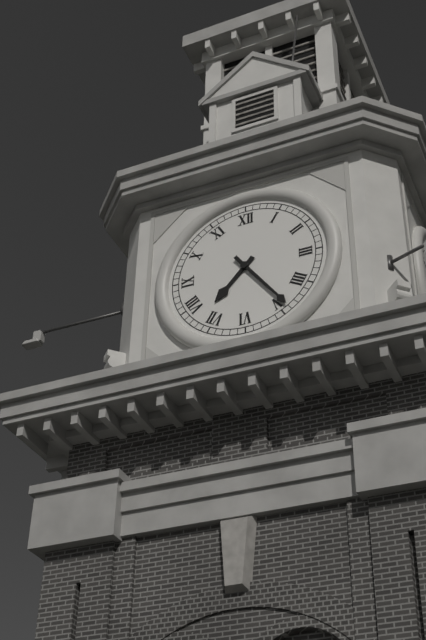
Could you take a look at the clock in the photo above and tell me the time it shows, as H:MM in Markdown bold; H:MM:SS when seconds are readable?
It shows **7:24**
